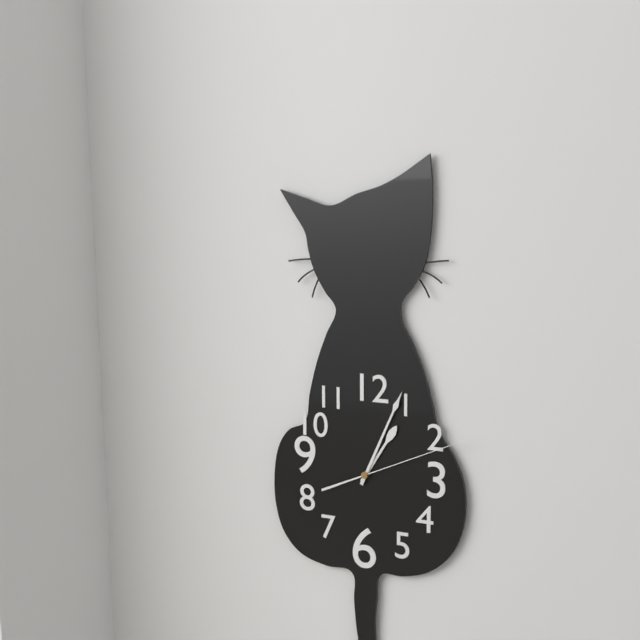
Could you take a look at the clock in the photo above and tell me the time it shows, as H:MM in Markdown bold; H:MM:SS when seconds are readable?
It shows **1:04:11**
